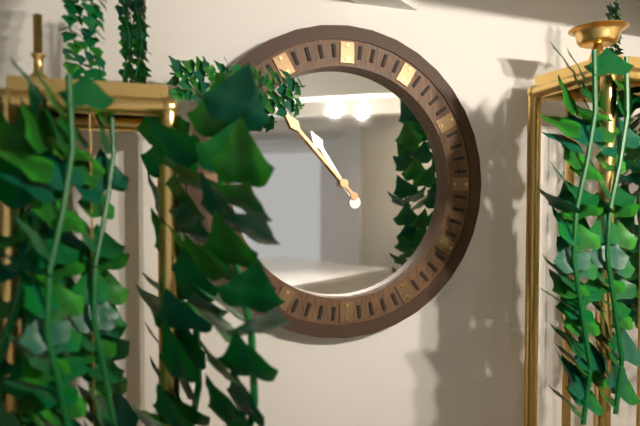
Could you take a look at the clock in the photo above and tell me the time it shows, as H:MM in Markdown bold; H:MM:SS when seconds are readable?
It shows **10:53**
